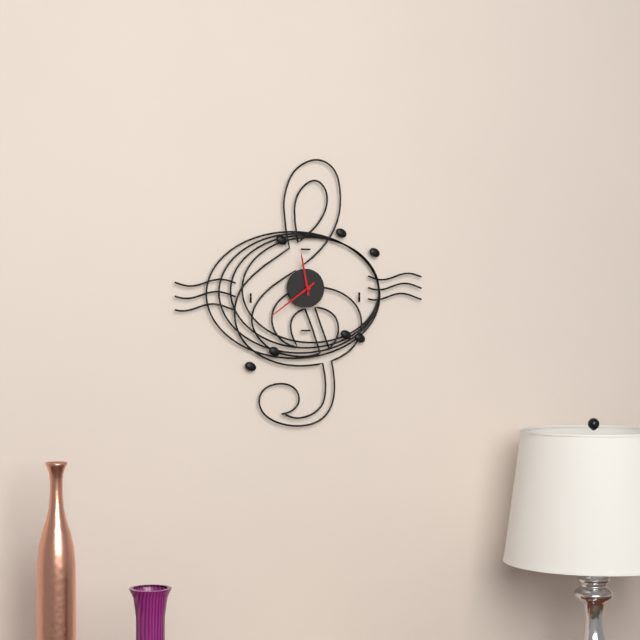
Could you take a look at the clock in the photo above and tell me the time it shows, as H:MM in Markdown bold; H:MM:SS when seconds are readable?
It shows **11:39**
